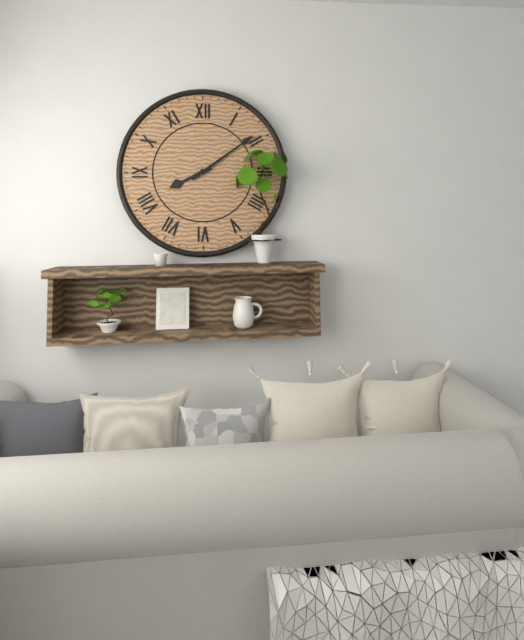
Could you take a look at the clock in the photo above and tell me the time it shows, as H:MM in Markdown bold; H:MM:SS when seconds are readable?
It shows **8:09**
